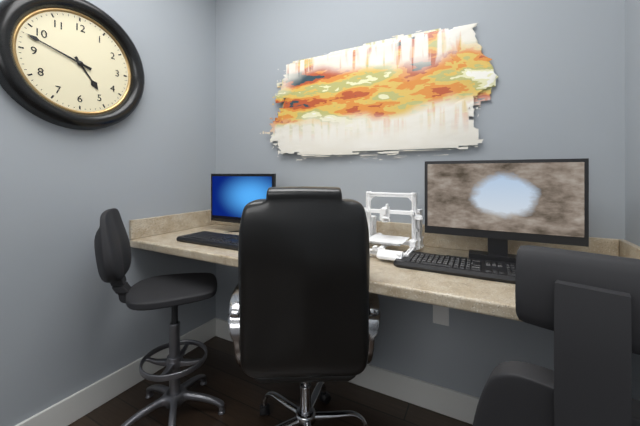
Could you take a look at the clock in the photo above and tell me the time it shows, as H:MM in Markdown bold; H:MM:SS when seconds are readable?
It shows **4:48**
